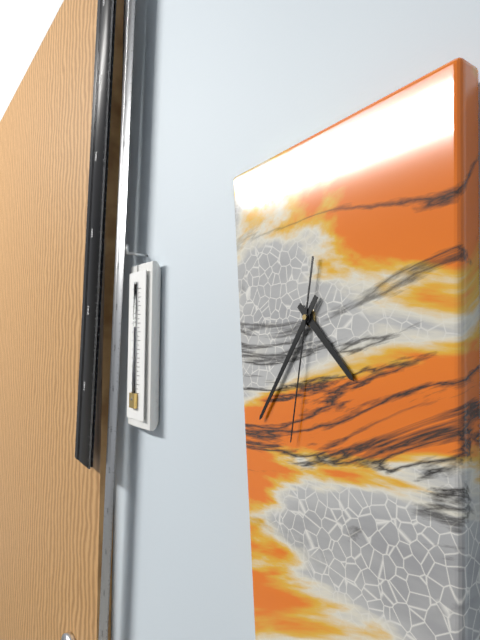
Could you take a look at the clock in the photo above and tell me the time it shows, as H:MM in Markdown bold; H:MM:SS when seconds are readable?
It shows **4:36:32**
